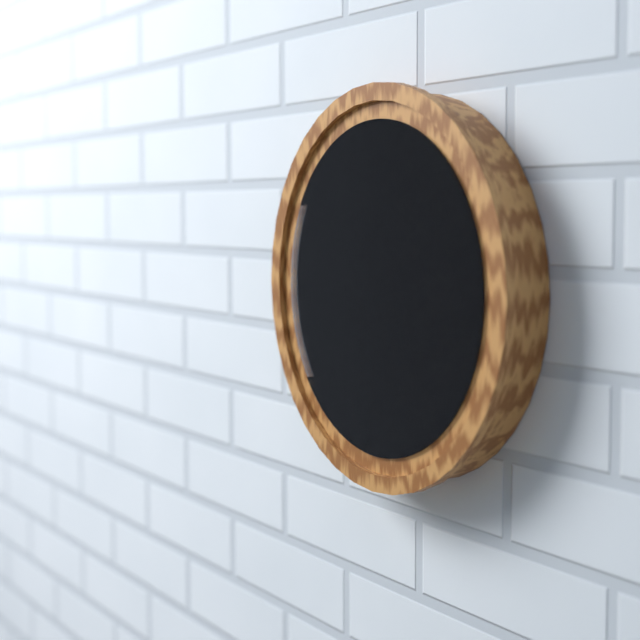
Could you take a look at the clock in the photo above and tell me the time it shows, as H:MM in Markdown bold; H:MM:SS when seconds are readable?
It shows **9:59:08**
